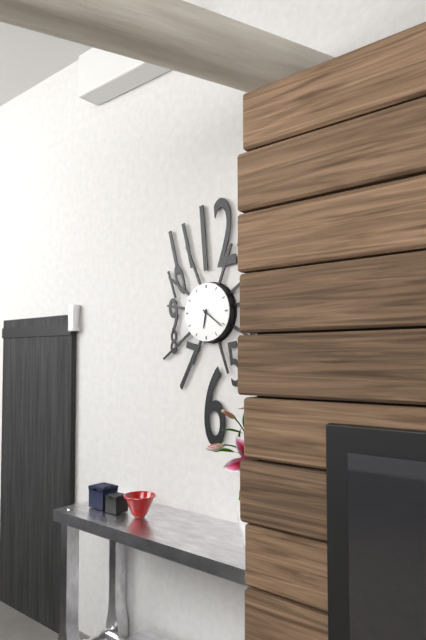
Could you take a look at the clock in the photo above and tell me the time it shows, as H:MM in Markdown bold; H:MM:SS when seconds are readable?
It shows **6:21**
